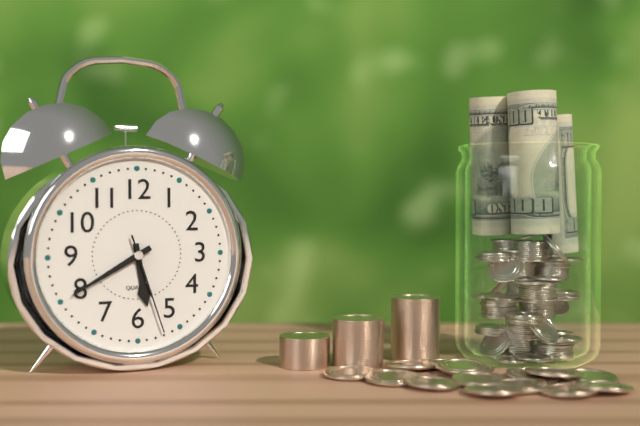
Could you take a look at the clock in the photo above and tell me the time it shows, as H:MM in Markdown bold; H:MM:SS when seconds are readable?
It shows **5:40:27**
